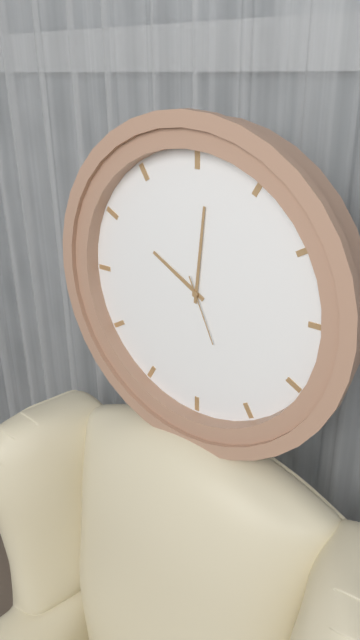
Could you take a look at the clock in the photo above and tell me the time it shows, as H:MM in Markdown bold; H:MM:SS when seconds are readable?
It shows **10:01:26**
